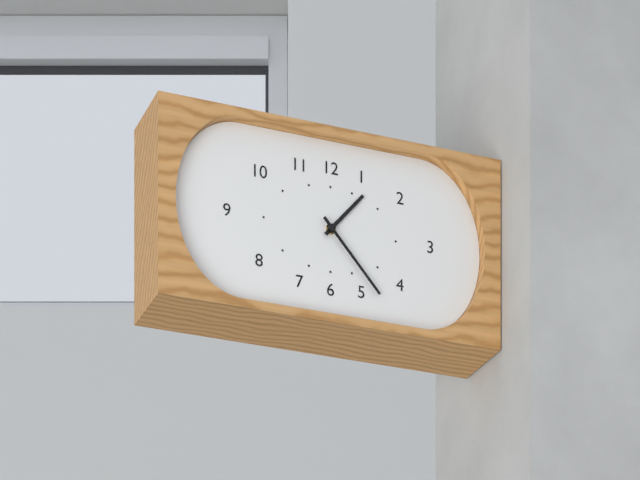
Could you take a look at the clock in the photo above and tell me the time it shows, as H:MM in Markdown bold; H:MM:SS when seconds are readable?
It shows **1:23**
